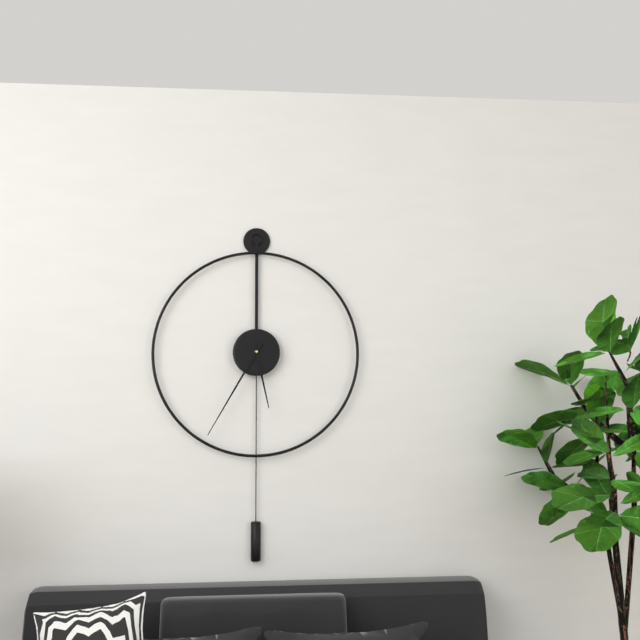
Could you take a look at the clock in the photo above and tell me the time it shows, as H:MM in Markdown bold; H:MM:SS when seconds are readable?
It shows **5:35**
